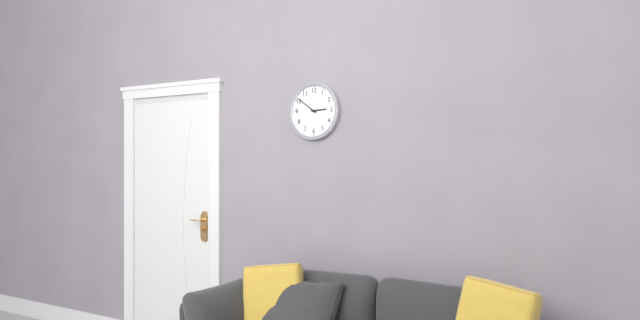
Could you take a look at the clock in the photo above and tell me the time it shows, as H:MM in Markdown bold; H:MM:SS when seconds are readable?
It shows **2:51**
